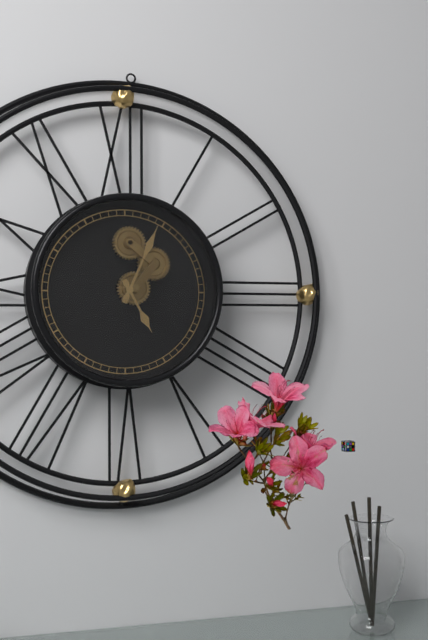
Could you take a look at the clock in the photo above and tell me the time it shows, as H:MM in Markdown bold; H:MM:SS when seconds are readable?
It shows **5:04**
